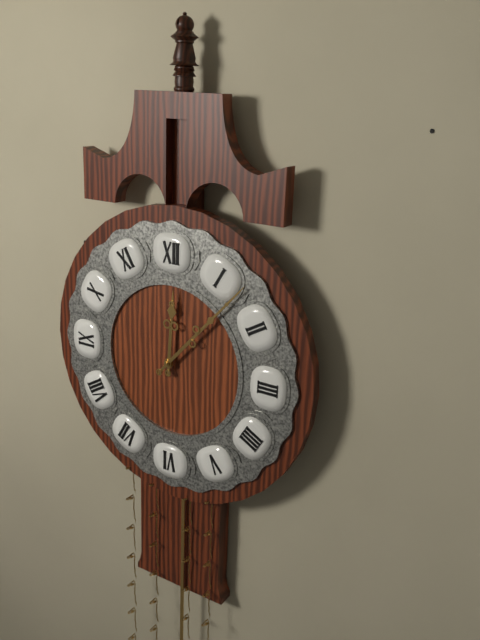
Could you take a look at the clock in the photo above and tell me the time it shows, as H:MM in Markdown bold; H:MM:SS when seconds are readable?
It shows **12:07**
